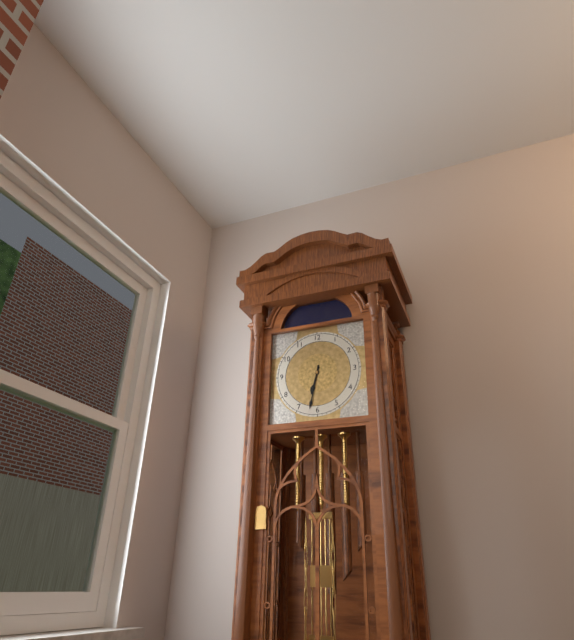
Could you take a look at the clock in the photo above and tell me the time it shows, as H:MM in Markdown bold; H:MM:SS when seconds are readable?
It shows **6:32**
